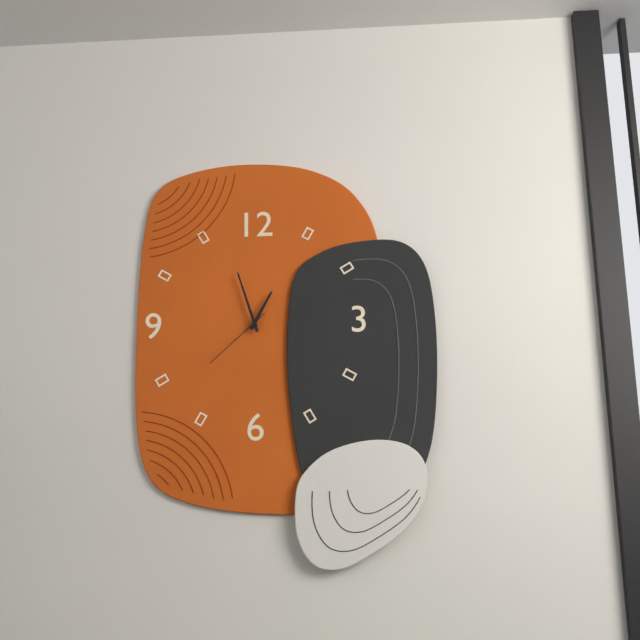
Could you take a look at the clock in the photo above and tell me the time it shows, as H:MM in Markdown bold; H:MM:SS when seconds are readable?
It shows **12:57:38**
